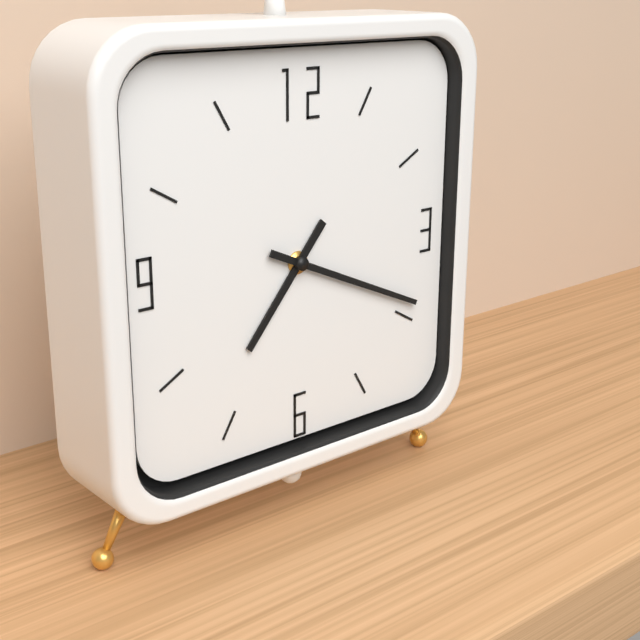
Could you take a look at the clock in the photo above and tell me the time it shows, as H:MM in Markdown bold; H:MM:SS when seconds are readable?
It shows **7:19**
